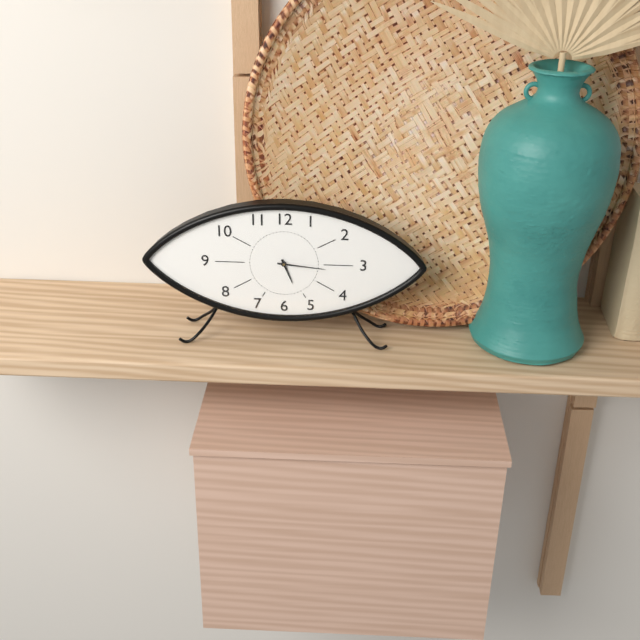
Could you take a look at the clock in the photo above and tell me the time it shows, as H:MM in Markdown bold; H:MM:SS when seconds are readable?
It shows **5:16**
